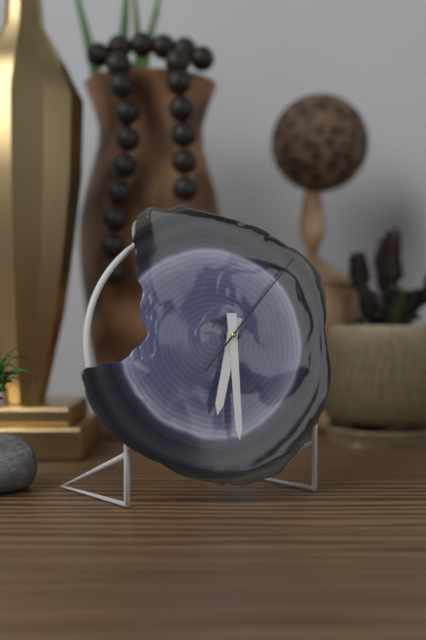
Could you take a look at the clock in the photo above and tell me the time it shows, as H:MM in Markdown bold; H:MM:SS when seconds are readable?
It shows **6:30:07**
